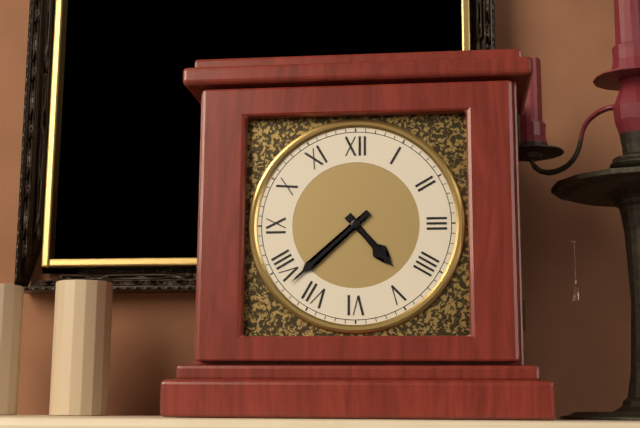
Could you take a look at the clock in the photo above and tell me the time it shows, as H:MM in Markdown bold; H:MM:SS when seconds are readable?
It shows **4:38**
